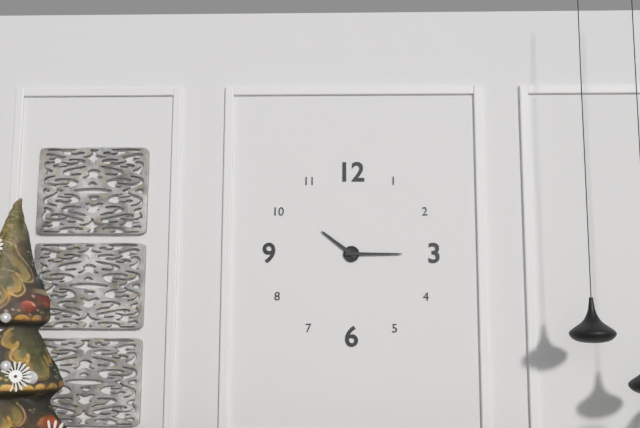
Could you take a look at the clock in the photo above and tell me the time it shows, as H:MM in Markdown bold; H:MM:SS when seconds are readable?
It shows **10:15**
